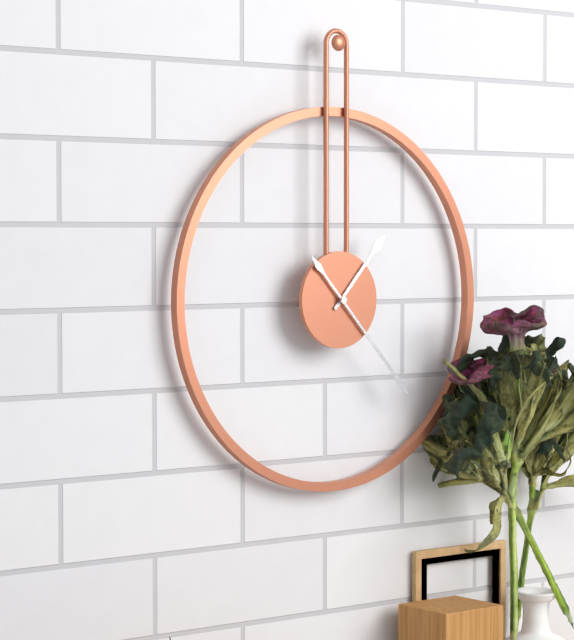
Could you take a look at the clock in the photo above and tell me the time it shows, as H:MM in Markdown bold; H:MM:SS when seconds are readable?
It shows **1:23**
